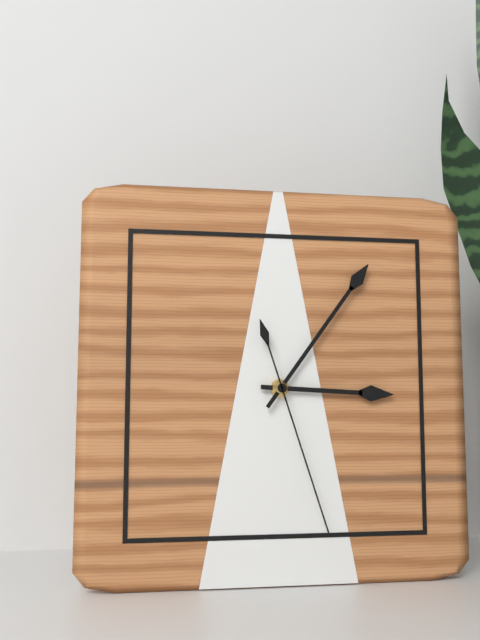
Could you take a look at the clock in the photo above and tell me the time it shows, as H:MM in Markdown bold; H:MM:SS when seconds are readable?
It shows **3:06:27**
